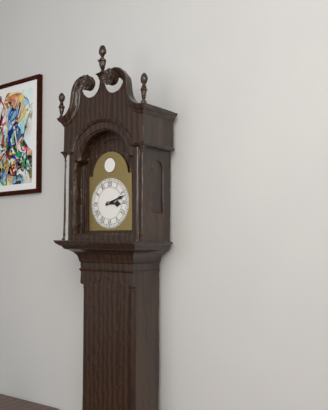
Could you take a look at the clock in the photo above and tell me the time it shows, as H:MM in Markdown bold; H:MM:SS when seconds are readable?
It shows **3:12**
